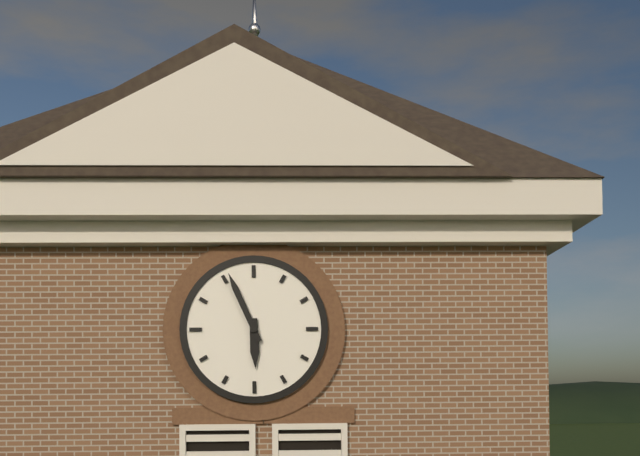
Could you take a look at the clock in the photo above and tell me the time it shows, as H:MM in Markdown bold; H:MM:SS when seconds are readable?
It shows **5:56**
